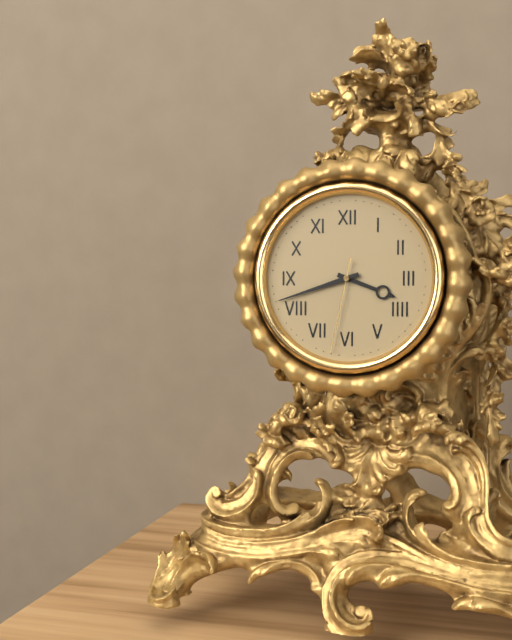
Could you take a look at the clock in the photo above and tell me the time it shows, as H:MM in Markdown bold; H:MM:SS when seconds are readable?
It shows **3:42:32**
